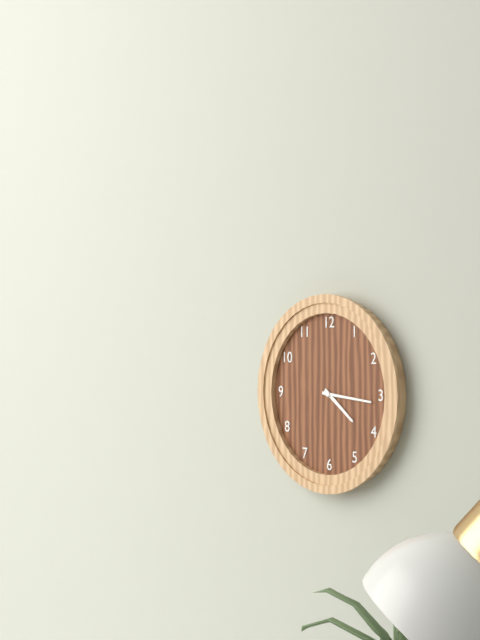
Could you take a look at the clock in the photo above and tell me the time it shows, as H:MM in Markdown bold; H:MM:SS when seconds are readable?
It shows **4:16**
